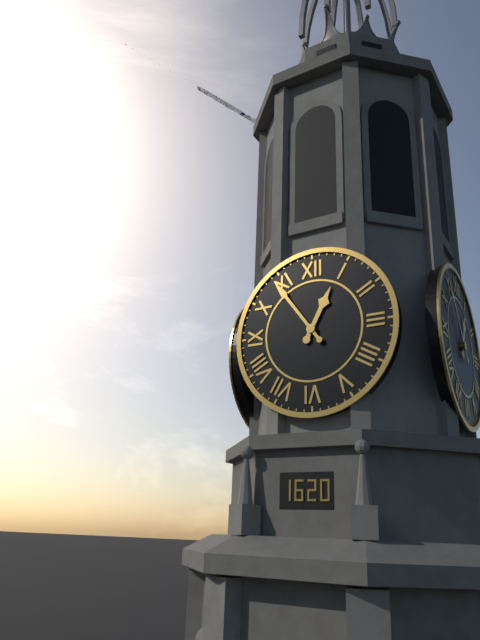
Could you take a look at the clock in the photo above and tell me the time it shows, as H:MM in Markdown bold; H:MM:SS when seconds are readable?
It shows **12:54**
